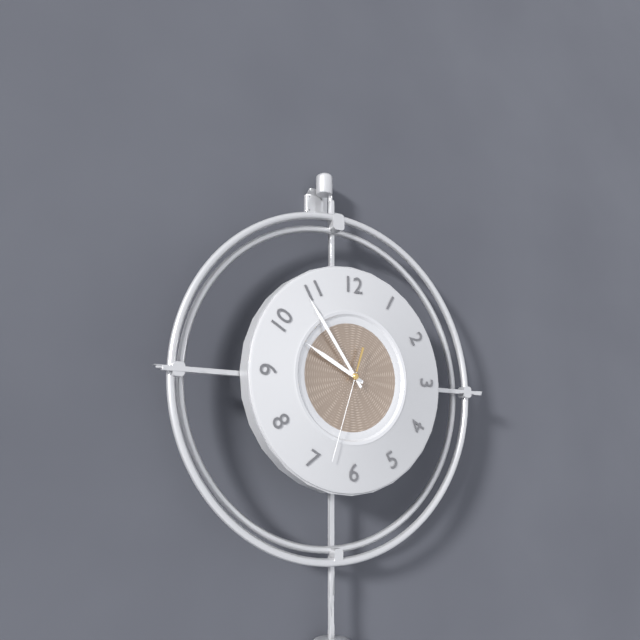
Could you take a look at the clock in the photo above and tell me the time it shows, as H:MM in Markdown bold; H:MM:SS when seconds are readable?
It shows **9:54:33**
